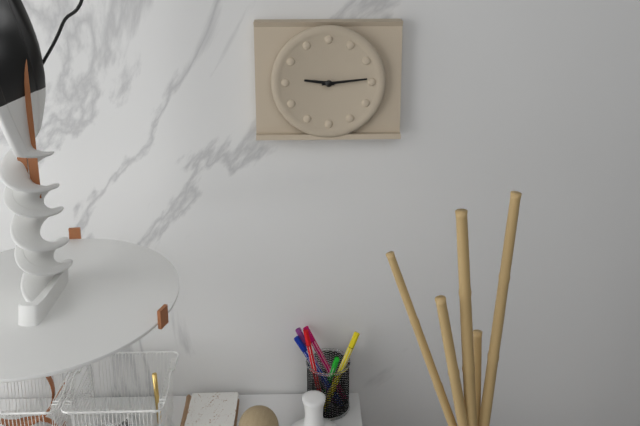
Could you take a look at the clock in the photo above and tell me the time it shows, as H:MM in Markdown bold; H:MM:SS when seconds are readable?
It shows **9:14**
